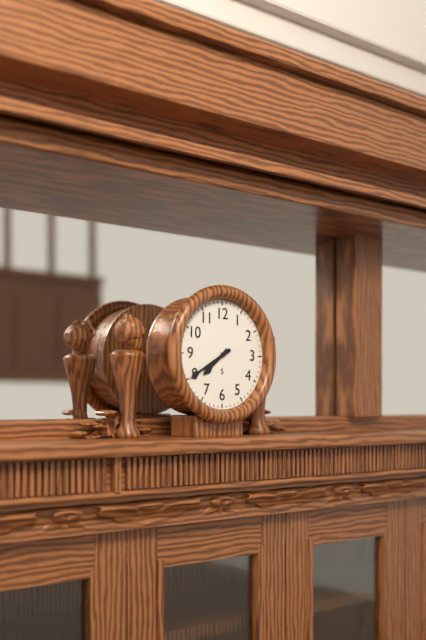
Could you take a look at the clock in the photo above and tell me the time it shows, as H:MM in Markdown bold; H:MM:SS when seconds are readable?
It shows **7:40**
